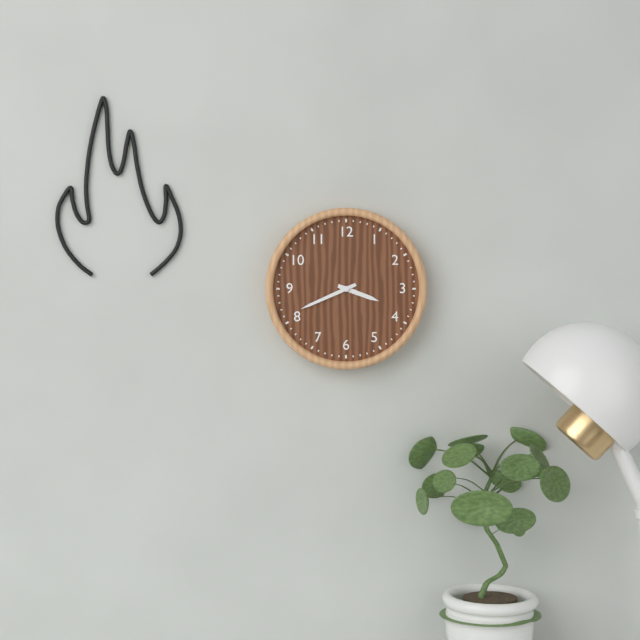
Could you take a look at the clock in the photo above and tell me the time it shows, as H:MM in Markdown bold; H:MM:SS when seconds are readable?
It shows **3:41**
